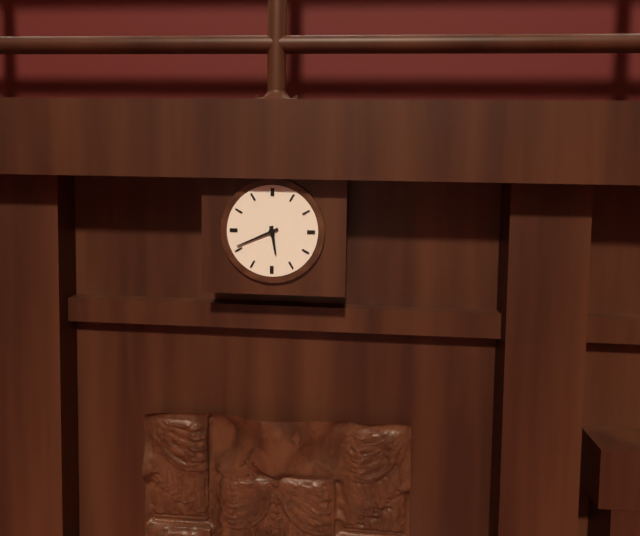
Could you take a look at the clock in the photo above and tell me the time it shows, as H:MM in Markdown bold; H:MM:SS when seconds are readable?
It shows **5:41**
